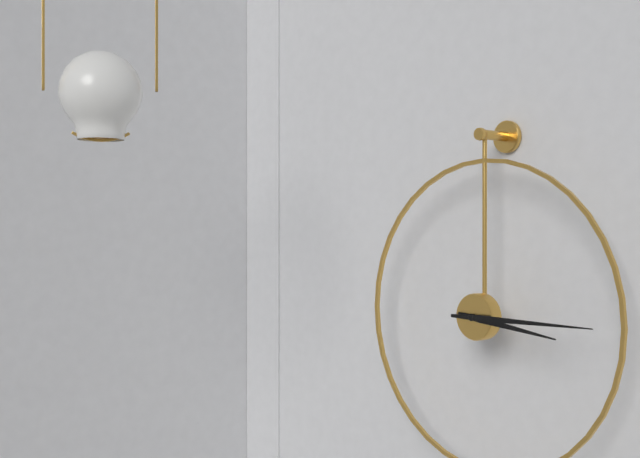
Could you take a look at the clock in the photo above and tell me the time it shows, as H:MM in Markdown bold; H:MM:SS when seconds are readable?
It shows **3:15**
